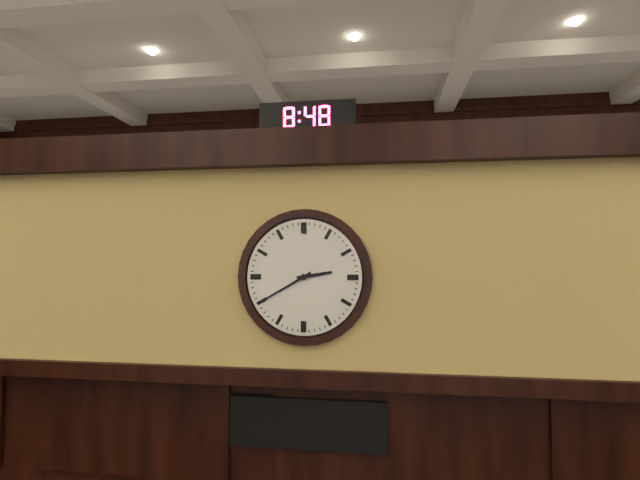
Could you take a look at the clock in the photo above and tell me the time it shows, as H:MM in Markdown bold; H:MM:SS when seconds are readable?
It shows **2:40**
